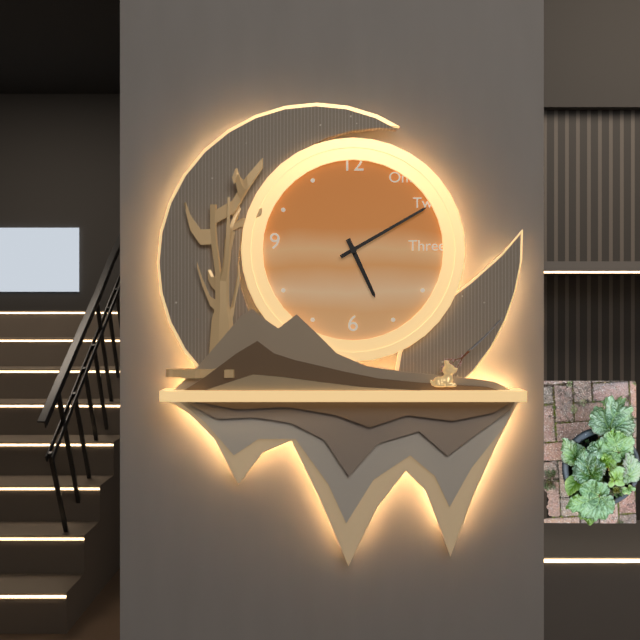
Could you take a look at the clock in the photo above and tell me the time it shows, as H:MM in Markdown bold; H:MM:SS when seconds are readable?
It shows **5:10**
